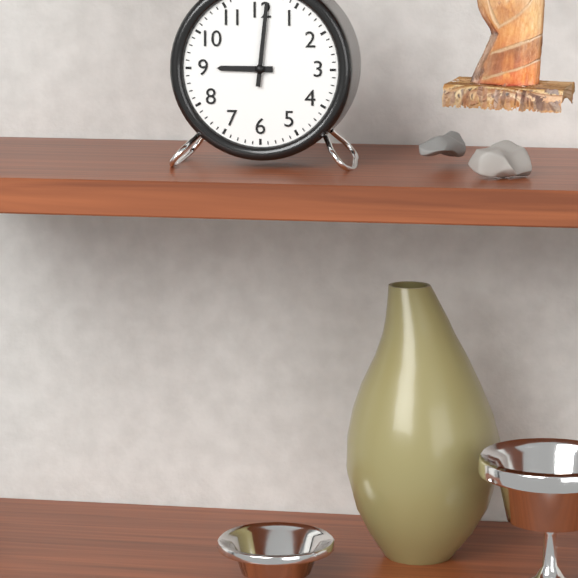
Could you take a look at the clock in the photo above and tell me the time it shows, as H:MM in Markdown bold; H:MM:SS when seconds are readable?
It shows **9:01**
